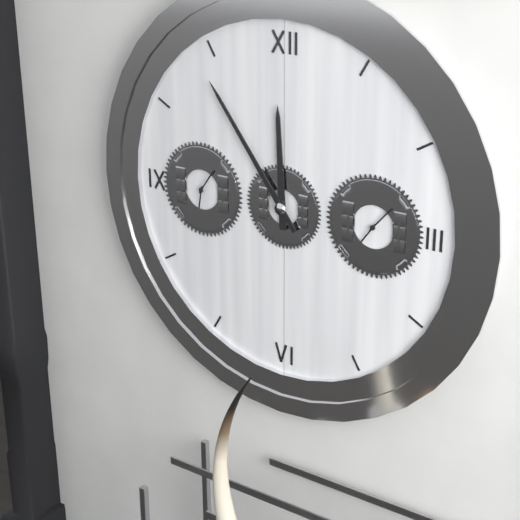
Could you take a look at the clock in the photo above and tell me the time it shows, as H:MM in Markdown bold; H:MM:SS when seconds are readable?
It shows **11:54**
